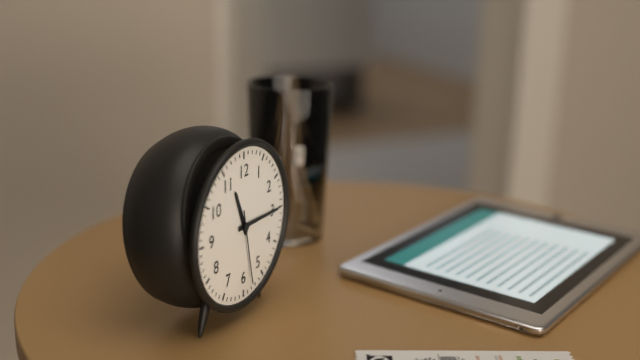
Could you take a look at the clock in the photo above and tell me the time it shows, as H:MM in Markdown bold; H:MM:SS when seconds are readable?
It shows **11:15:28**
